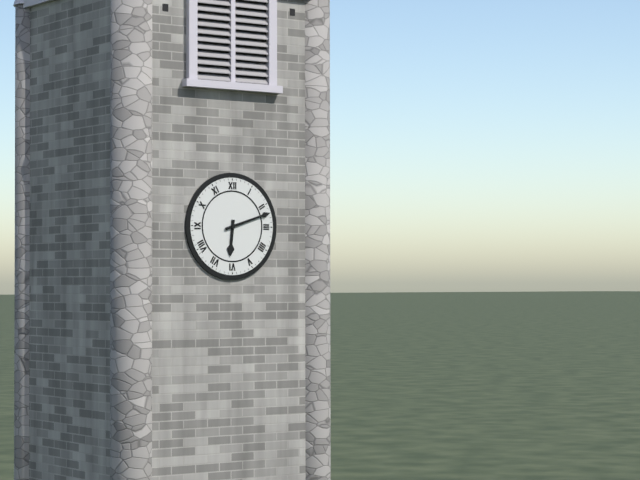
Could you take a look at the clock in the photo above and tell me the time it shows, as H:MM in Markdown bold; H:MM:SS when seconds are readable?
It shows **6:12**
